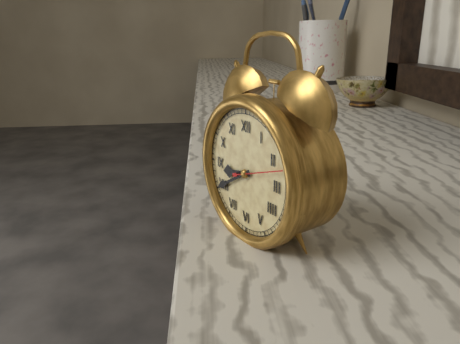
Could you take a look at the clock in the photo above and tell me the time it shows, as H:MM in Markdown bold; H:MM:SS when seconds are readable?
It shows **8:40**
